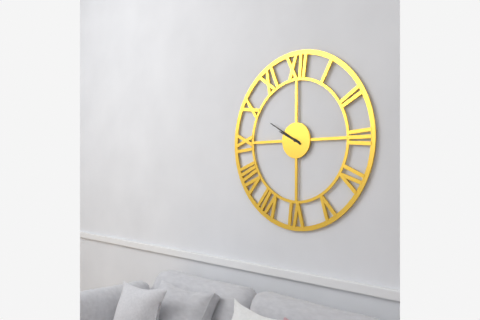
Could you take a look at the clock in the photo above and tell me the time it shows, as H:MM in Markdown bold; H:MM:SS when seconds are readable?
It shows **9:50**
